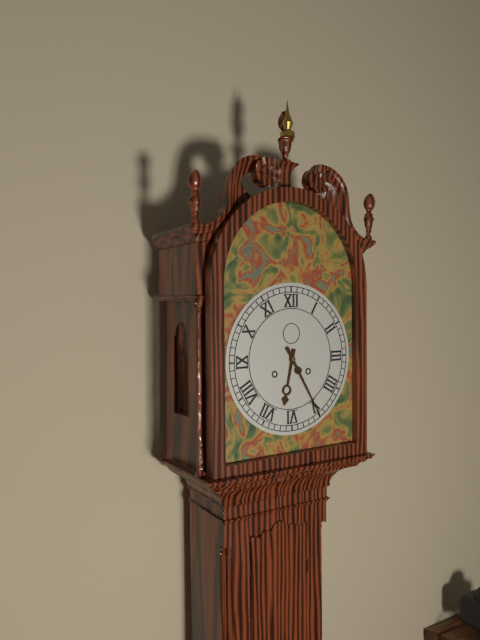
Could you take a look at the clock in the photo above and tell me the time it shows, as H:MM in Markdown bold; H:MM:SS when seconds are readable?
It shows **6:25**
